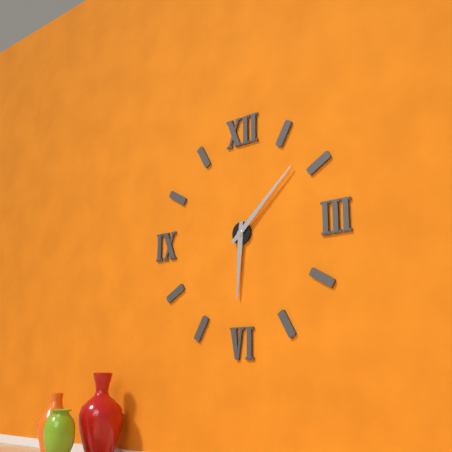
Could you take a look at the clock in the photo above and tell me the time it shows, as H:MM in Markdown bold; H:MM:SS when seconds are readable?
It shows **6:08**
